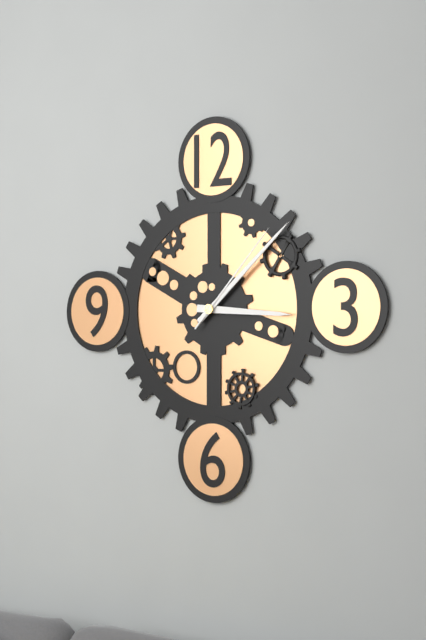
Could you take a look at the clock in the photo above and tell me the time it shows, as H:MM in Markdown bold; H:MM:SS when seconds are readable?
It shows **3:08:07**
